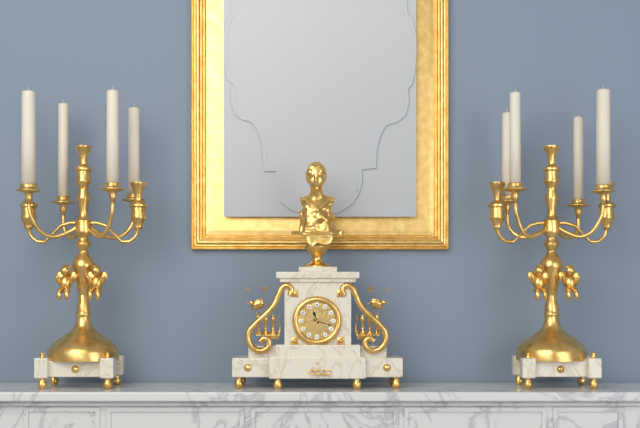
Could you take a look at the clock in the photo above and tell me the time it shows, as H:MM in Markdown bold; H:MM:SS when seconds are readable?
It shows **11:18**
